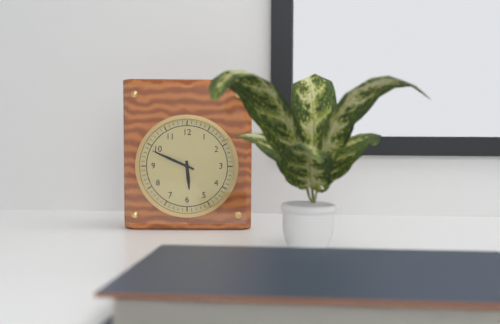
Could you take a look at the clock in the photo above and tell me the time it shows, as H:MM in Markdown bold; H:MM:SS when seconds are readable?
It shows **5:49**
